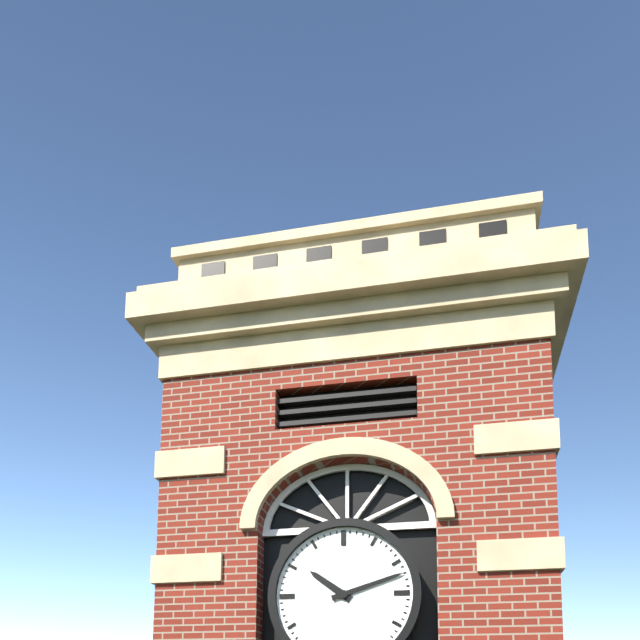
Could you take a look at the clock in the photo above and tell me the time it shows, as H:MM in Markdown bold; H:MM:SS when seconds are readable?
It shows **10:12**
